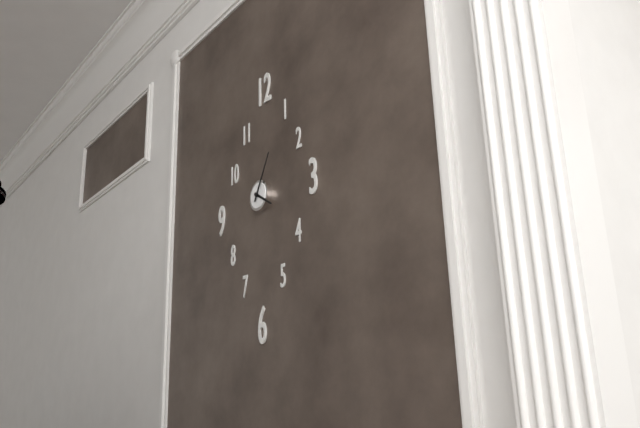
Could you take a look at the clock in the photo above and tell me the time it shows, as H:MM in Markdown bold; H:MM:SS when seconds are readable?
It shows **4:05**
